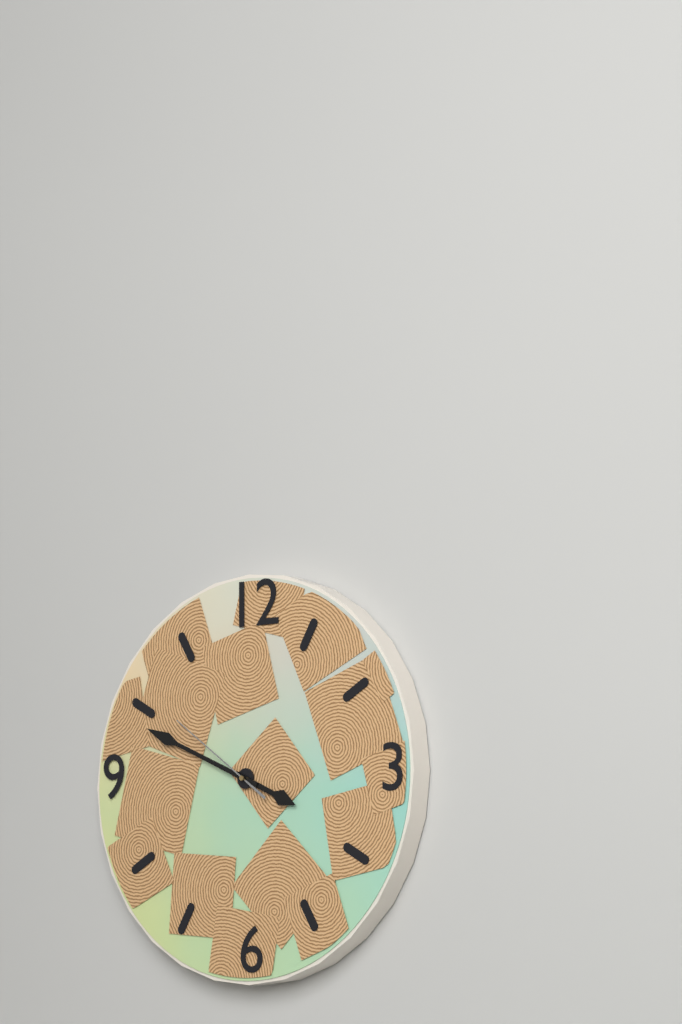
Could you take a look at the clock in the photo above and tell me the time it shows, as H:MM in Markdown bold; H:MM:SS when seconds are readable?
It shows **3:49:51**
